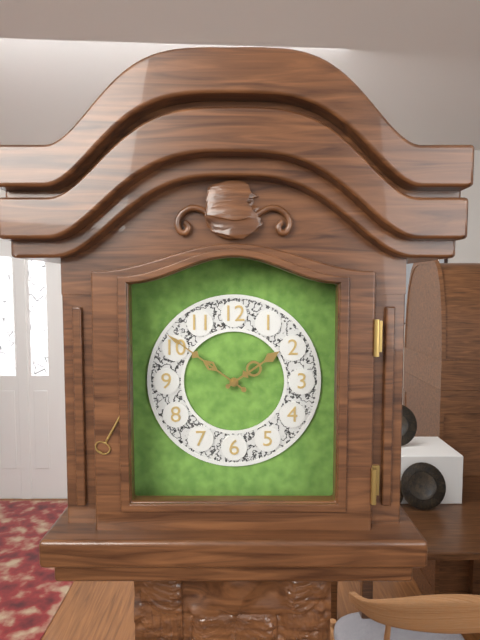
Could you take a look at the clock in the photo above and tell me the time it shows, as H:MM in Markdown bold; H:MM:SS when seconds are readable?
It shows **1:51**
